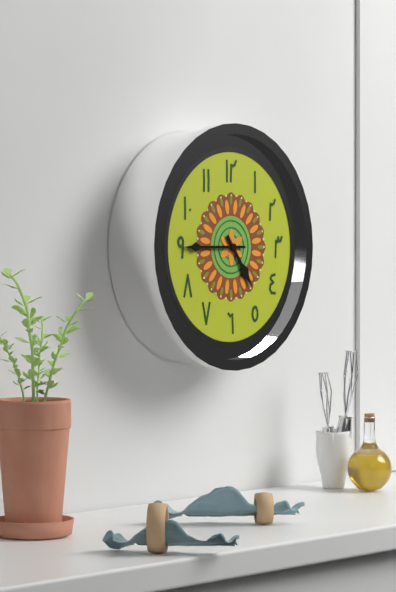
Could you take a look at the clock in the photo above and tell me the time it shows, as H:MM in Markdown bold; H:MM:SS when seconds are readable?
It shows **4:45**
